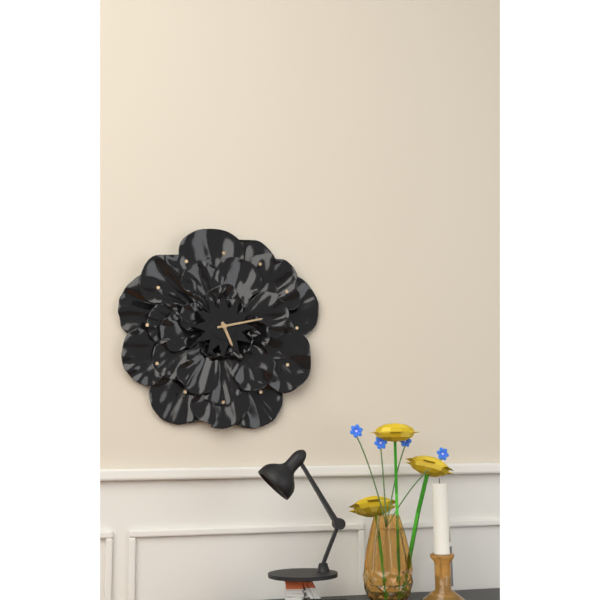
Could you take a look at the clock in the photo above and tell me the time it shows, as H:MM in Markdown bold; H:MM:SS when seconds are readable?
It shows **5:13**
